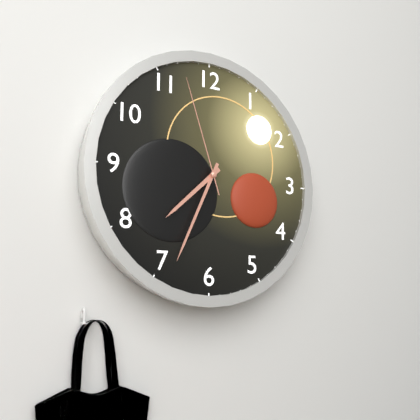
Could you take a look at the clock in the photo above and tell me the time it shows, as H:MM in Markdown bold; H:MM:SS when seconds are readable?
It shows **7:34:57**
